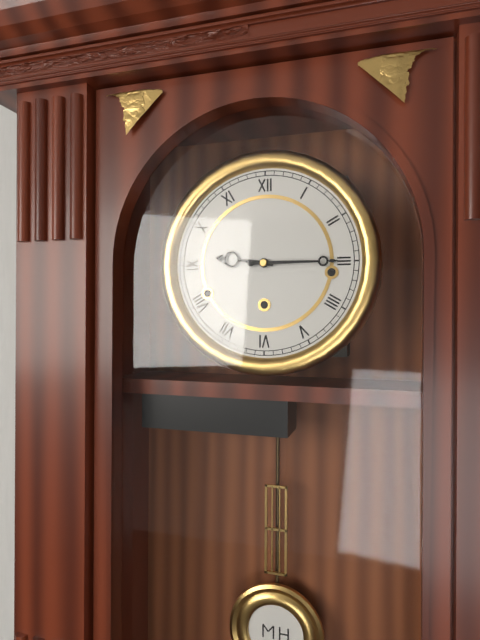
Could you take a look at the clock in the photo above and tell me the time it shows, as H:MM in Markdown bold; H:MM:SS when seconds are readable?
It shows **9:15**
